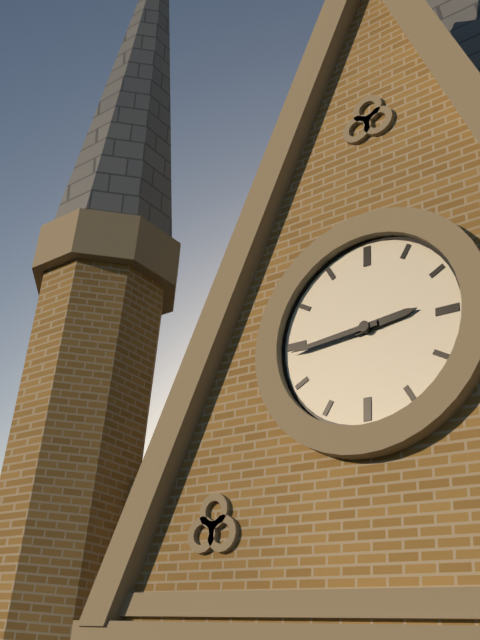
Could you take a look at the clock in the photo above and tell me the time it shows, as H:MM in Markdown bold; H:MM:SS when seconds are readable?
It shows **2:44**
